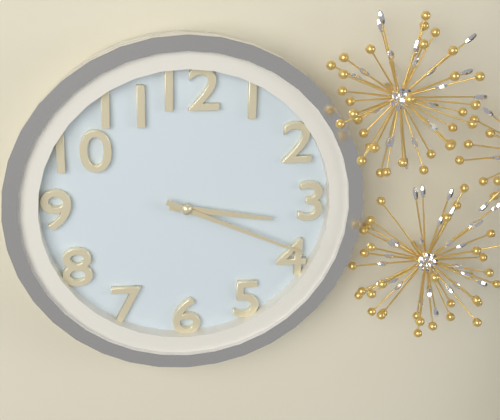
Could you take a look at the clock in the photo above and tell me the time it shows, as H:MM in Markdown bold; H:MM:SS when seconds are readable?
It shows **3:19**
